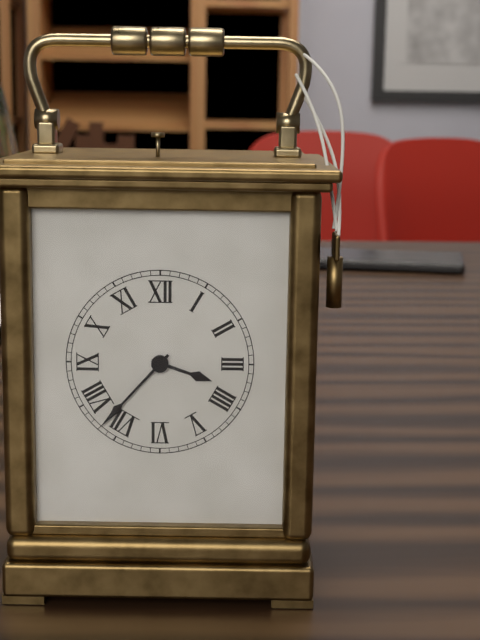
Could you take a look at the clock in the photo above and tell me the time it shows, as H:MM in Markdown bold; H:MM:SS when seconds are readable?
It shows **3:37**
